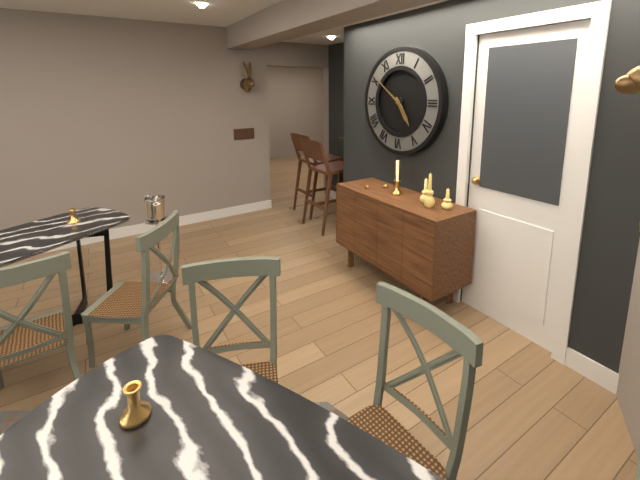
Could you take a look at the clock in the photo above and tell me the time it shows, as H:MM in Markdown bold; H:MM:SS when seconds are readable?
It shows **4:51**
